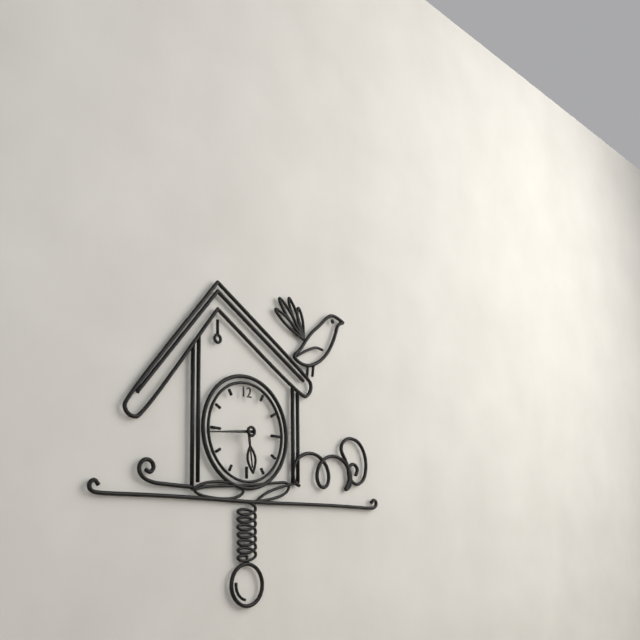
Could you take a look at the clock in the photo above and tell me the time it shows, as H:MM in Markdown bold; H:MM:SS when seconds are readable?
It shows **5:44**
